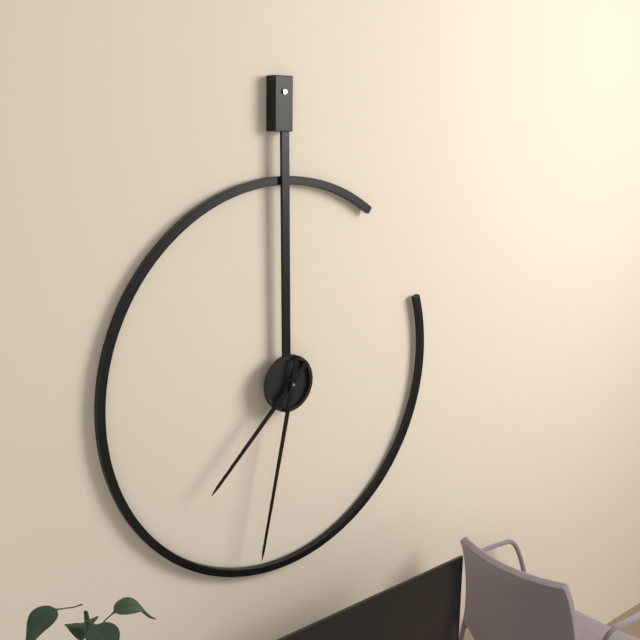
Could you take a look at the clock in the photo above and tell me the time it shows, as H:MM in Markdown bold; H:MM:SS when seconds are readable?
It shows **7:32**
